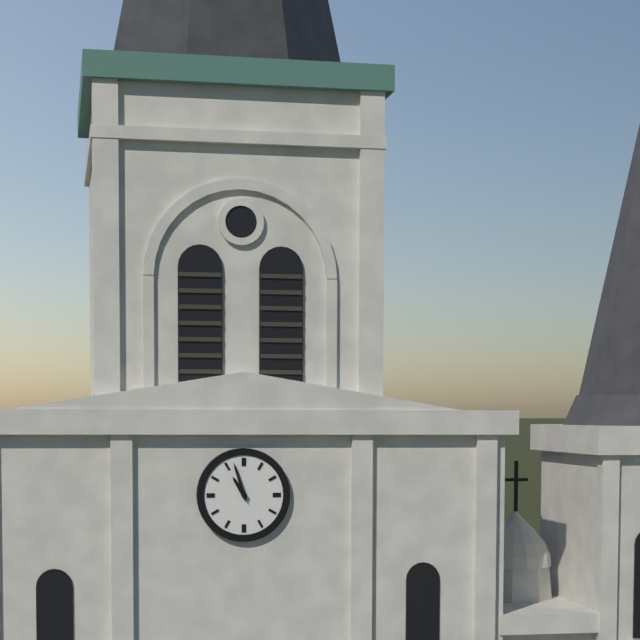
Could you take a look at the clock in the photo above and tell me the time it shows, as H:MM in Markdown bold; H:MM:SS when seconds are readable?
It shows **10:57**
